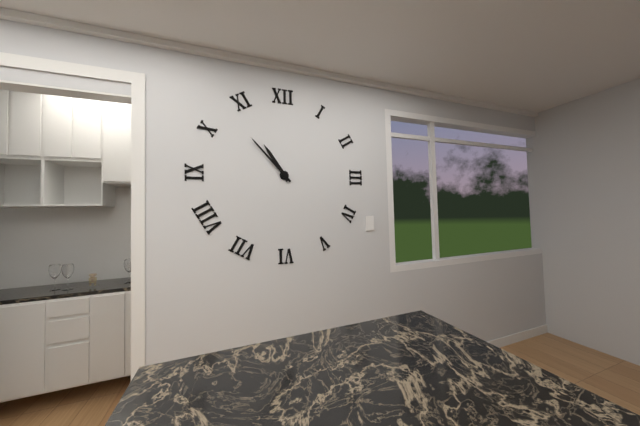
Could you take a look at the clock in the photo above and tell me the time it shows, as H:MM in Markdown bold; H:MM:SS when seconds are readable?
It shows **10:53**
